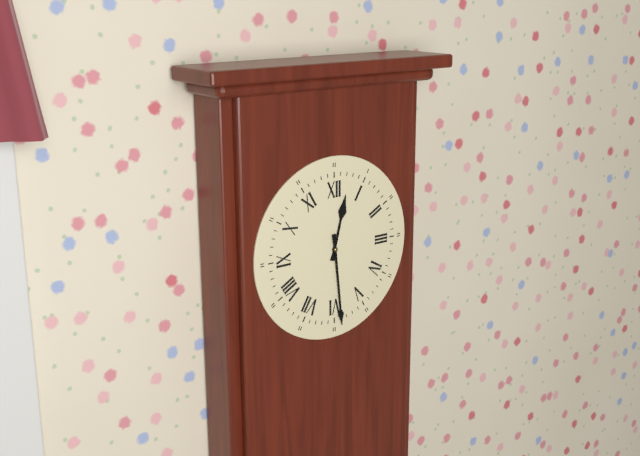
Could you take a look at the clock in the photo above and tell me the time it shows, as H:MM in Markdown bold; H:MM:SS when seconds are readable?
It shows **12:29**
